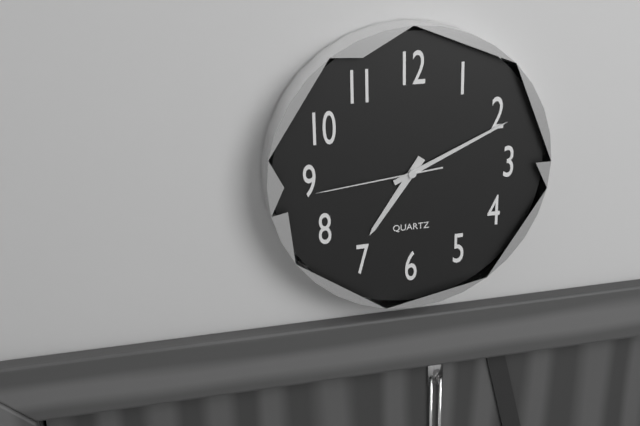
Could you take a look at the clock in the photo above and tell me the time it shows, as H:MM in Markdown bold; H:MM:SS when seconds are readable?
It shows **7:11:44**
